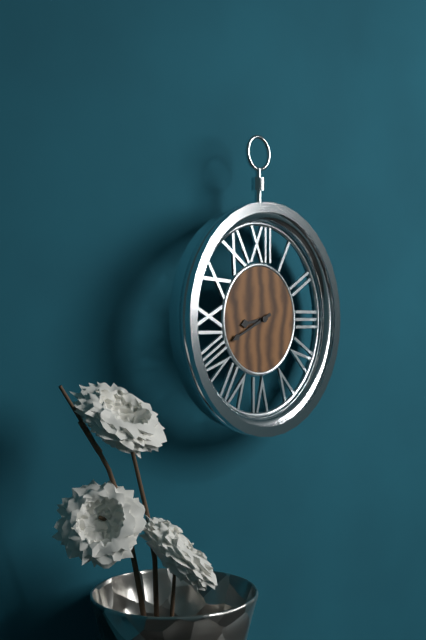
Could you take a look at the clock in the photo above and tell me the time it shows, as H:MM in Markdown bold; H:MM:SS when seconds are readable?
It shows **8:41**
